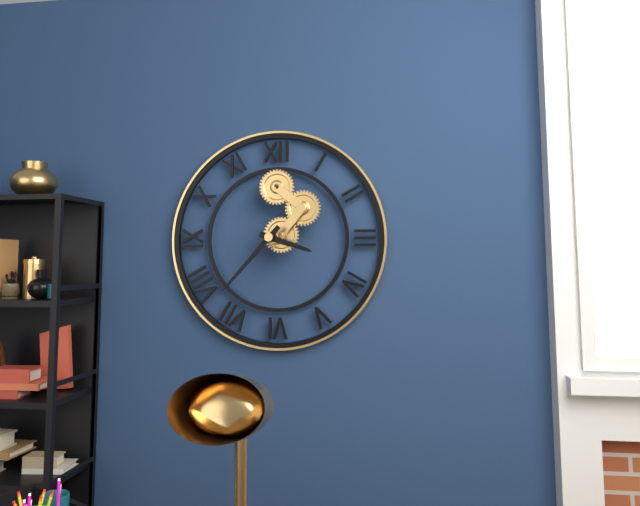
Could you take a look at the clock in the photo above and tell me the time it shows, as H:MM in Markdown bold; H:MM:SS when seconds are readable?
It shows **3:37**
